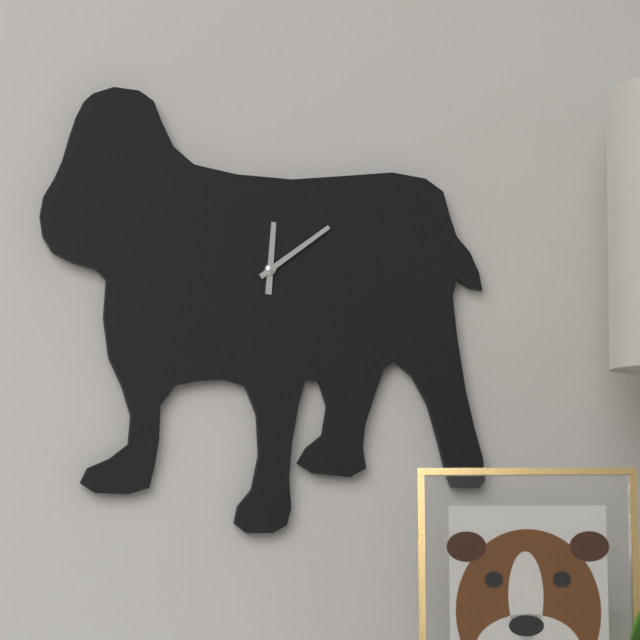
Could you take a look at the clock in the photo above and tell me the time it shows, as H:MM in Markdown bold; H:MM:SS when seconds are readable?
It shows **12:09**
